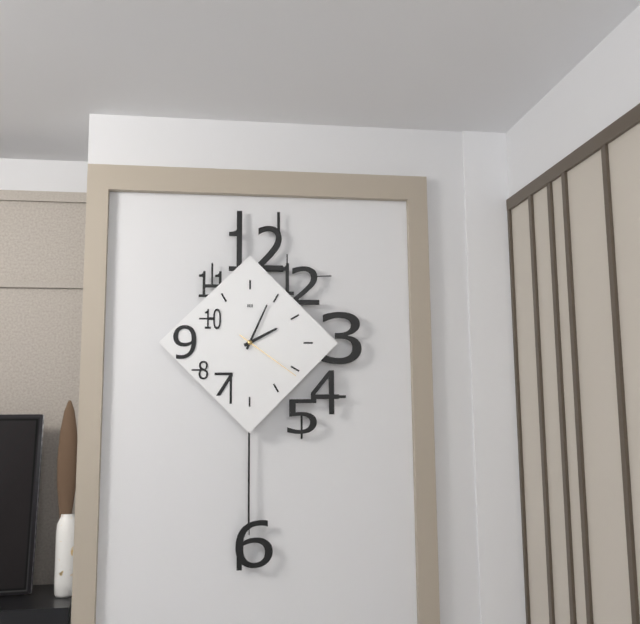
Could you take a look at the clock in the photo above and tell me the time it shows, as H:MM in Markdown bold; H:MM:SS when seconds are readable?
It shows **2:04:21**
